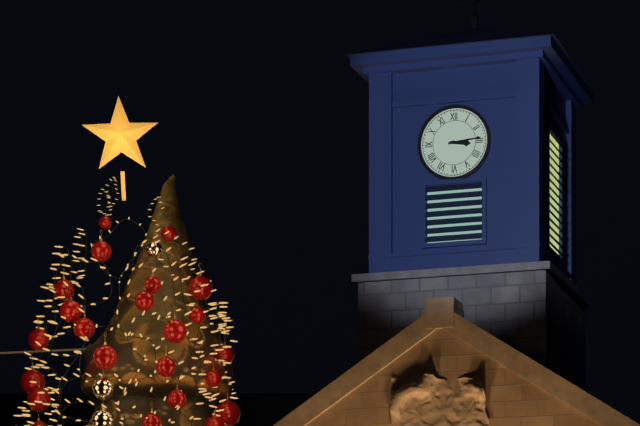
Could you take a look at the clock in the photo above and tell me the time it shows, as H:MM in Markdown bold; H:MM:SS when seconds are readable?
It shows **3:14**
